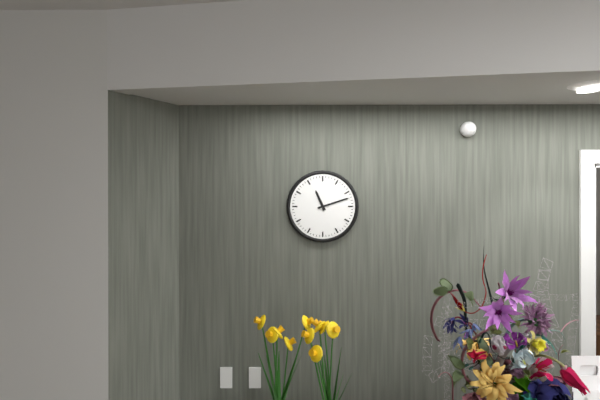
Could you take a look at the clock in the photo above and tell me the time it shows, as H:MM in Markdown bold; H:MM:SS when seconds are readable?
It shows **11:12**
